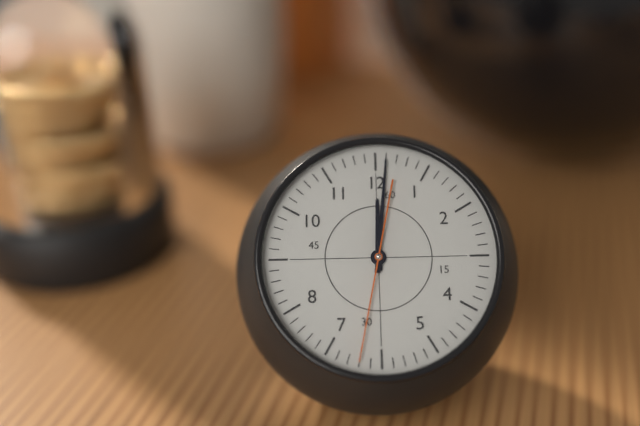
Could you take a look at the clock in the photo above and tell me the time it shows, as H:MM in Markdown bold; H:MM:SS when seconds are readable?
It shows **12:01:32**
